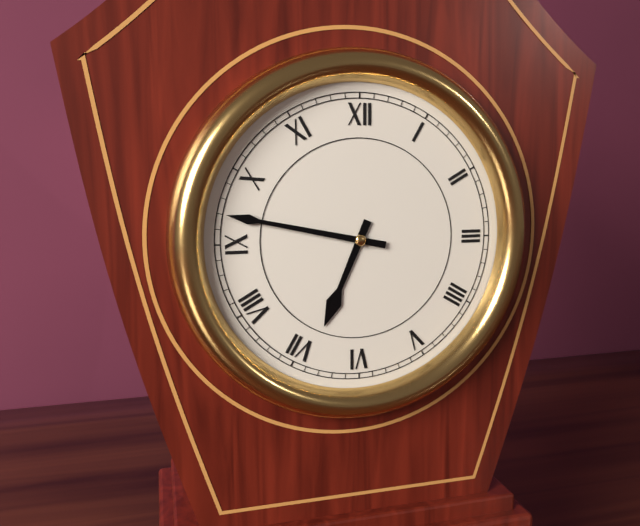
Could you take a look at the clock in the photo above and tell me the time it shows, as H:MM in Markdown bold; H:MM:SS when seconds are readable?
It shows **6:47**
